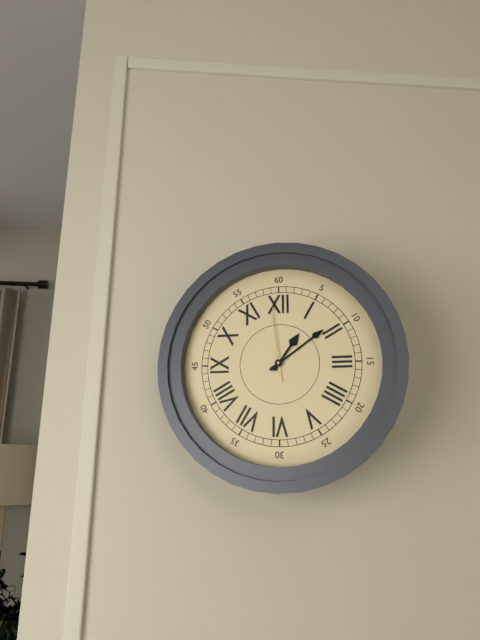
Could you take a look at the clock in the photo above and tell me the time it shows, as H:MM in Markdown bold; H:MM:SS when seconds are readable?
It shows **1:09:59**
